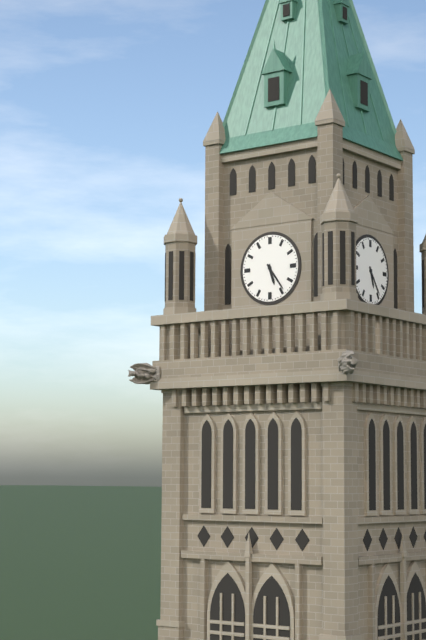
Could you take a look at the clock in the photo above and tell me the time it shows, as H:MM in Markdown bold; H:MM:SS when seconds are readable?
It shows **5:24**
